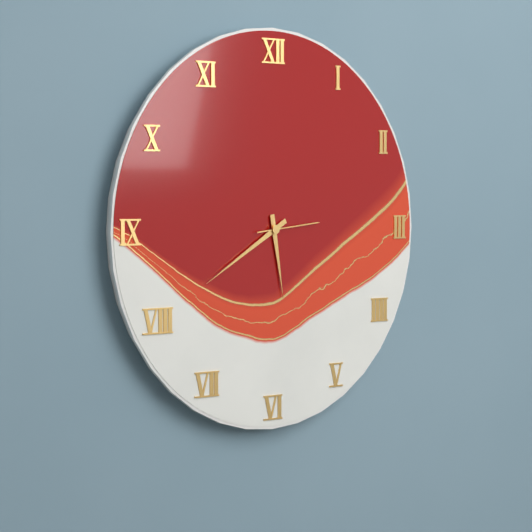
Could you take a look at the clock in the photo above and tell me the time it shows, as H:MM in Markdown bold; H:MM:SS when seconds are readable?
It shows **5:40:14**
